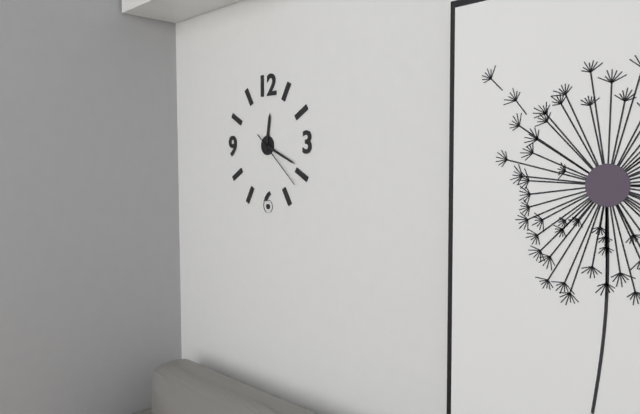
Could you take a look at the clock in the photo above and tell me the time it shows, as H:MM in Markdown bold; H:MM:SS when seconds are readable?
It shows **12:19:22**
